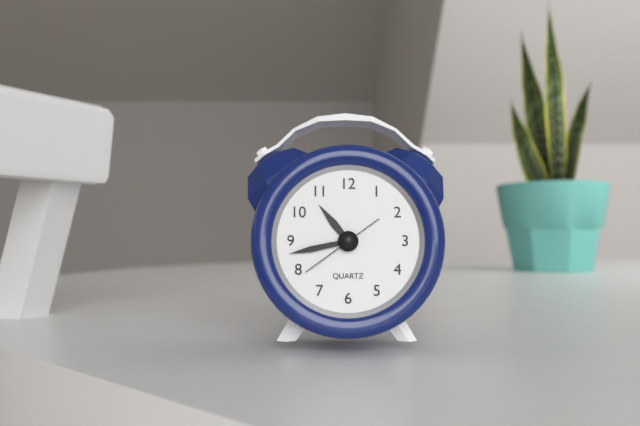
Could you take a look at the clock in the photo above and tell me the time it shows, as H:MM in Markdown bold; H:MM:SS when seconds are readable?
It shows **10:43:39**
